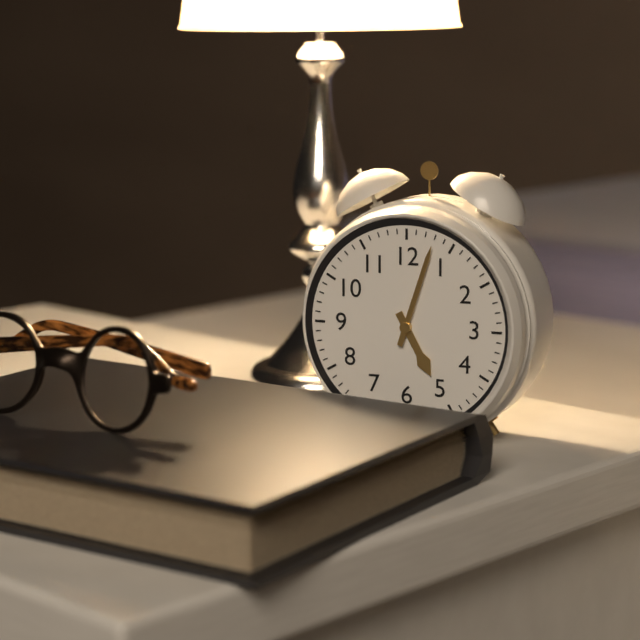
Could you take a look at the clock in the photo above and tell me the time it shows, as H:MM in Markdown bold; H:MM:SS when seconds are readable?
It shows **5:03**
